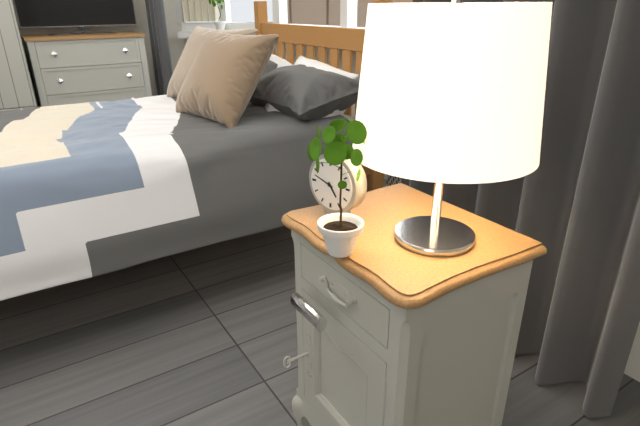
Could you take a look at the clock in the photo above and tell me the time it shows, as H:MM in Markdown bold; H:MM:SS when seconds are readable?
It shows **4:48**
